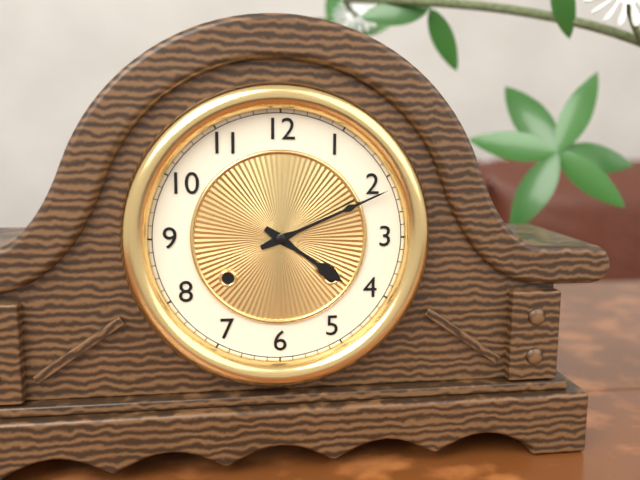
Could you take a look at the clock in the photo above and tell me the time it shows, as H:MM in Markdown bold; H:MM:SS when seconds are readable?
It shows **4:11**
